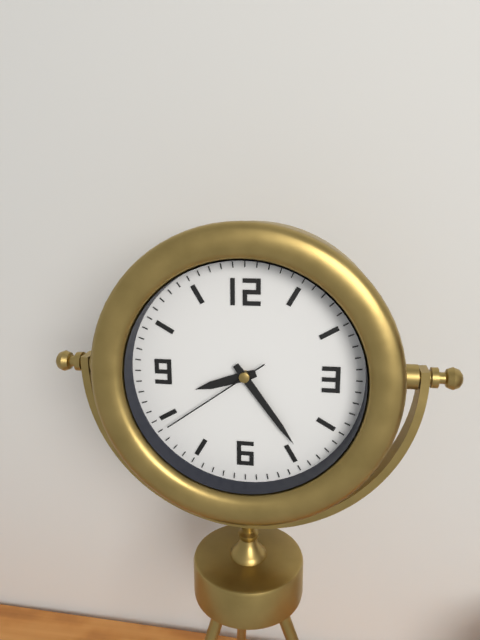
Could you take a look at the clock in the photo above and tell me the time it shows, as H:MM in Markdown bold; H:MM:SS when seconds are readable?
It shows **8:24:39**
